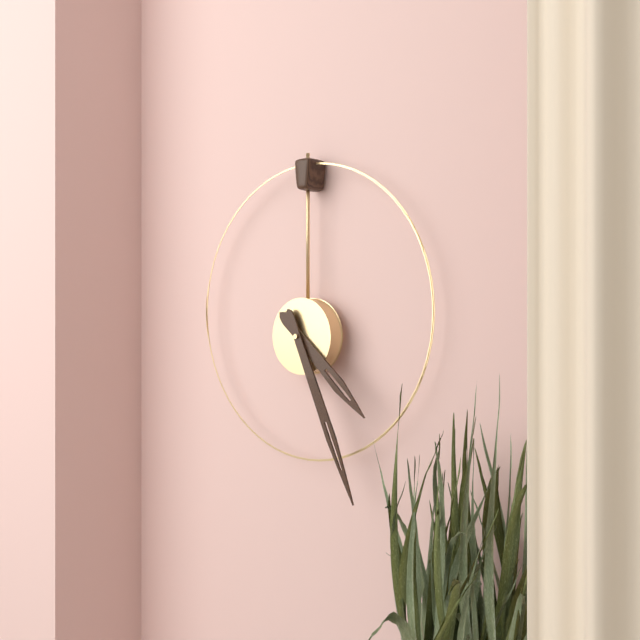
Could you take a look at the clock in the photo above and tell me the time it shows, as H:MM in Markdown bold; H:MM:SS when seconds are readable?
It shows **4:26**
